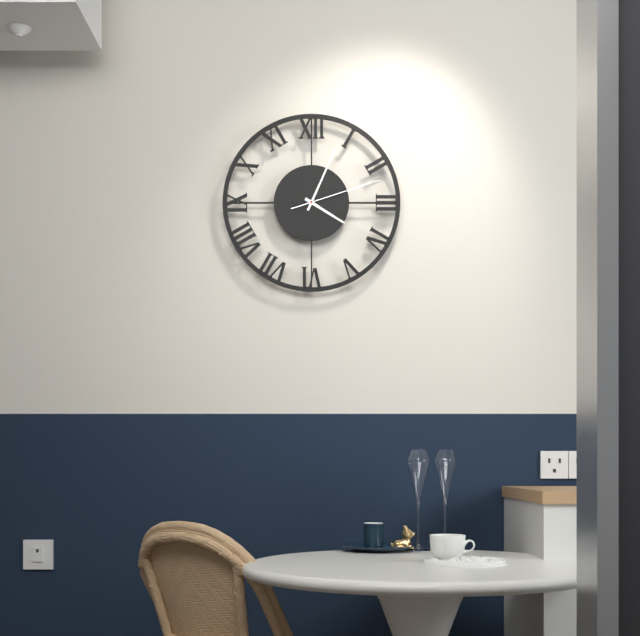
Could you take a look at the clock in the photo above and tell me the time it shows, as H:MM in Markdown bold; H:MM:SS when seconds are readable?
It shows **4:04:12**
